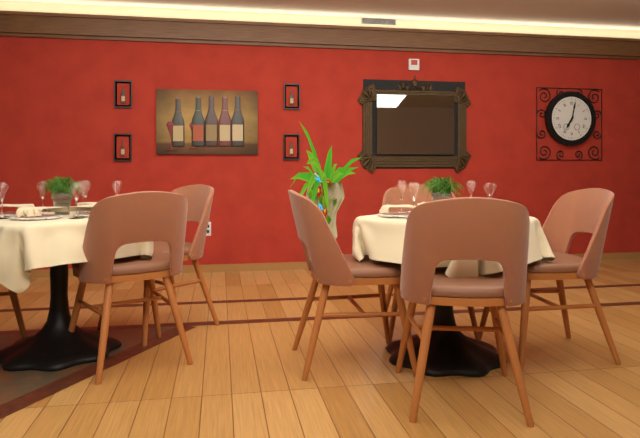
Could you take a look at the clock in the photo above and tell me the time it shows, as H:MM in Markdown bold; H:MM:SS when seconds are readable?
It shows **7:02**
